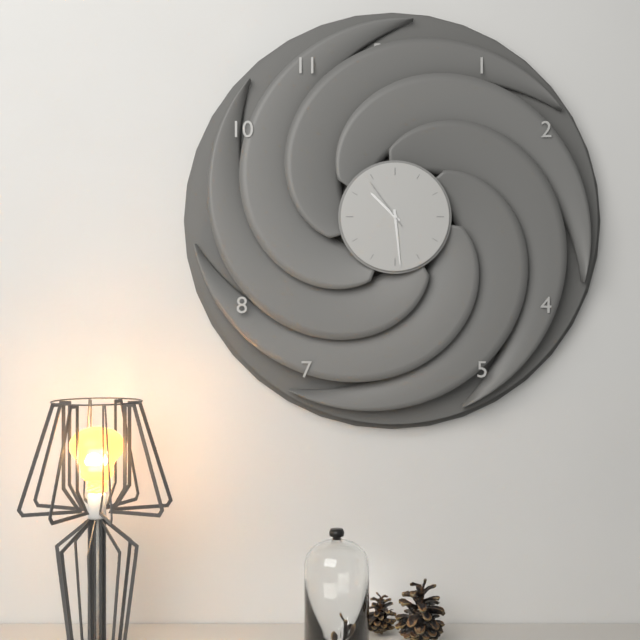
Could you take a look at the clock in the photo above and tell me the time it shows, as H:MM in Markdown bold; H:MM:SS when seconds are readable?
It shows **10:29:54**
